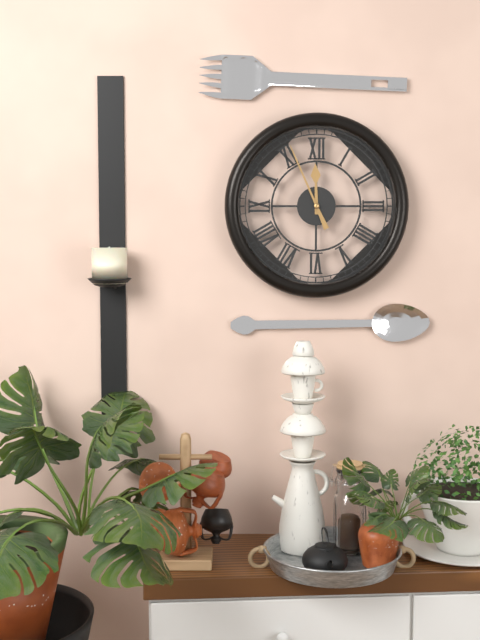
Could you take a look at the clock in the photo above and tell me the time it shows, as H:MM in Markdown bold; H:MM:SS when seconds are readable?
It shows **11:56**
